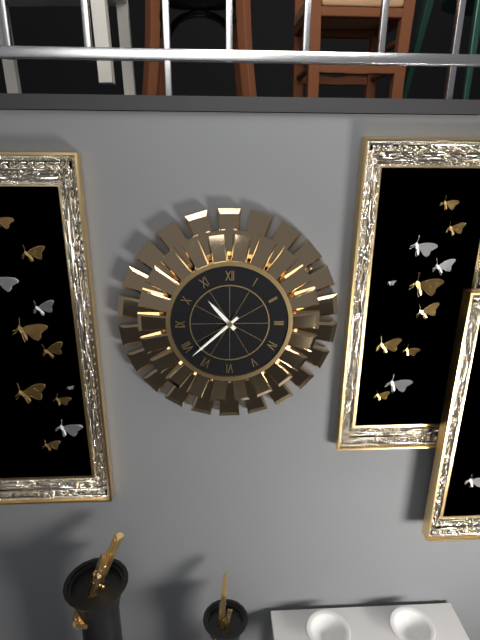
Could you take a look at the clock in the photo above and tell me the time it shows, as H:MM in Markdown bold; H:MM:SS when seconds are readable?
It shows **10:38**
